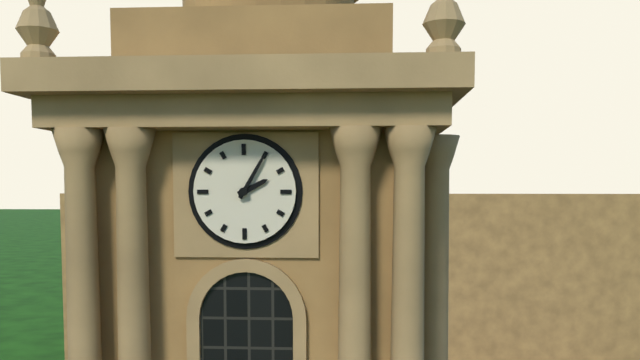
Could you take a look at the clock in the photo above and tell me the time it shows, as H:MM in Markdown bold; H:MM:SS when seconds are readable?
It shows **2:05**
